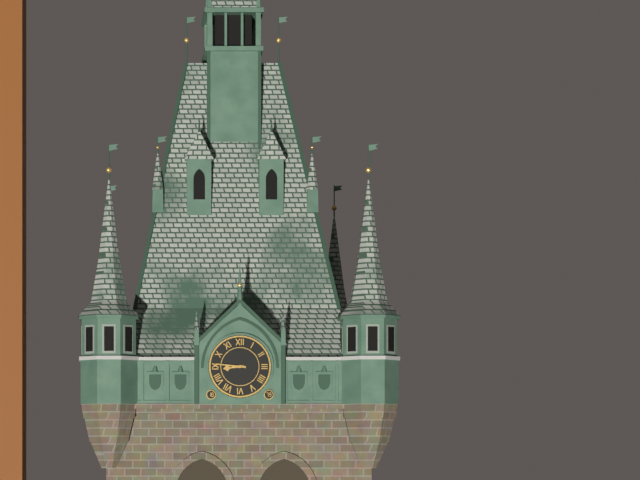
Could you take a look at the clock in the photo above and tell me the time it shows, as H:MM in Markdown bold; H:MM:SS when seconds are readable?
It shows **8:46**
